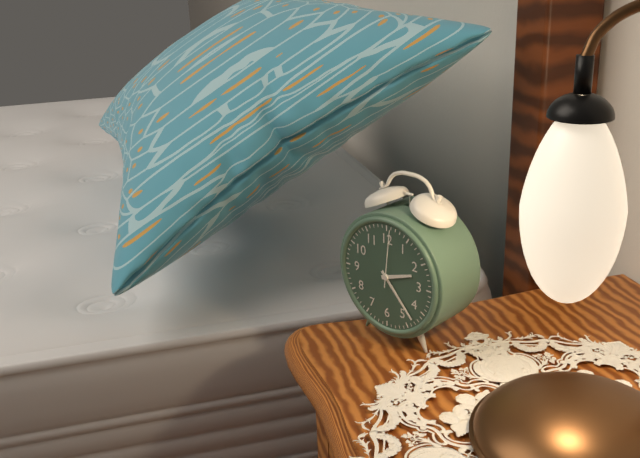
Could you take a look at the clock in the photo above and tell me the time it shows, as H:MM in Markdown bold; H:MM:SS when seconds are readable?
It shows **2:23:01**
